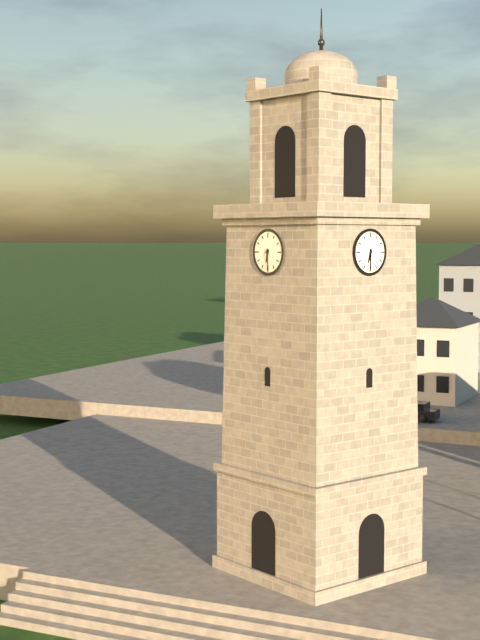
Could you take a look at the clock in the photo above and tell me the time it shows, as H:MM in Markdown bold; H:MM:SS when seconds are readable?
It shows **6:30**
